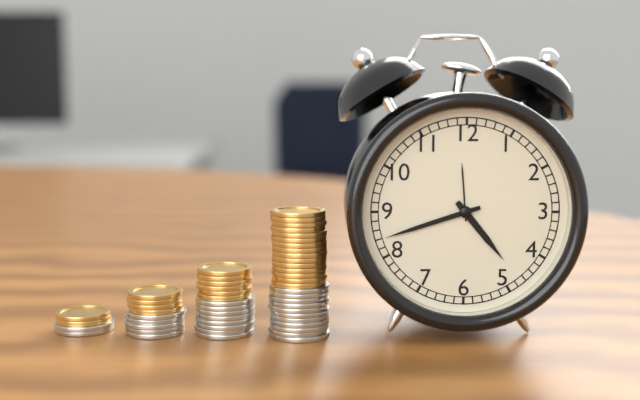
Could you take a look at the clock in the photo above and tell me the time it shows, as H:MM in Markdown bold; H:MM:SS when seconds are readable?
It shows **4:42**
